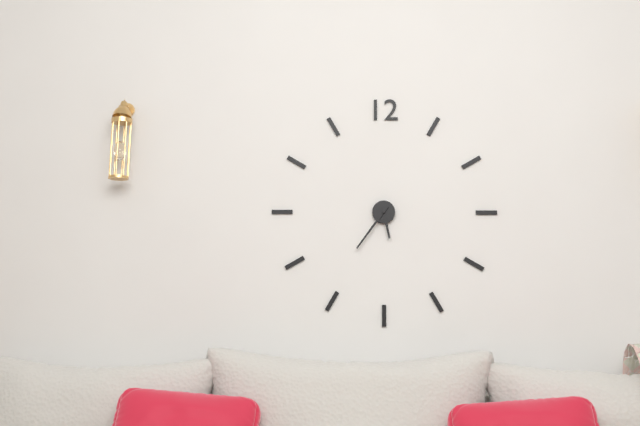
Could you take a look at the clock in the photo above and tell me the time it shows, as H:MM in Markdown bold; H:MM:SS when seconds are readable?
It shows **5:36**
